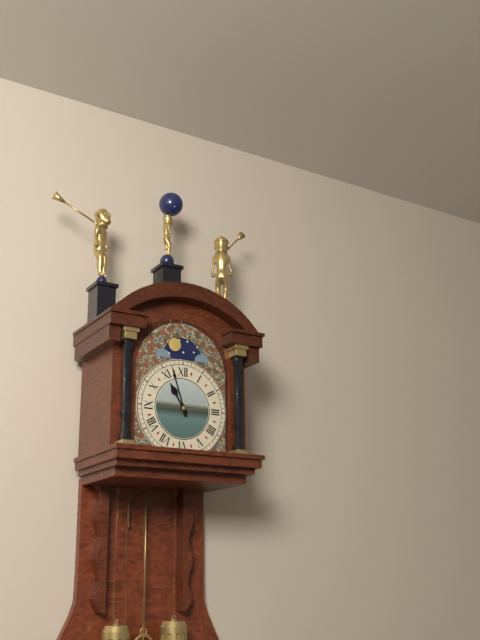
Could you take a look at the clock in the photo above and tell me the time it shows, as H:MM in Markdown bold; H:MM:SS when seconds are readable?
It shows **10:57**
